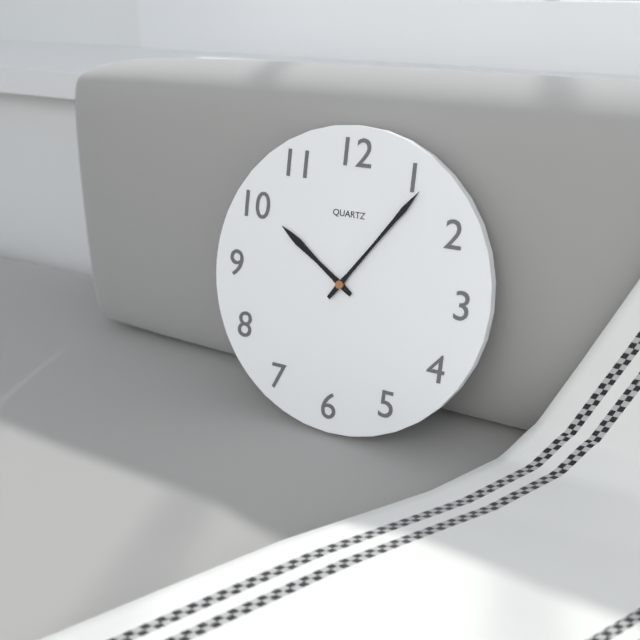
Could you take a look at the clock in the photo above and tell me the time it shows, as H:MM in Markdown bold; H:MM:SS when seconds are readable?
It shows **10:06**
